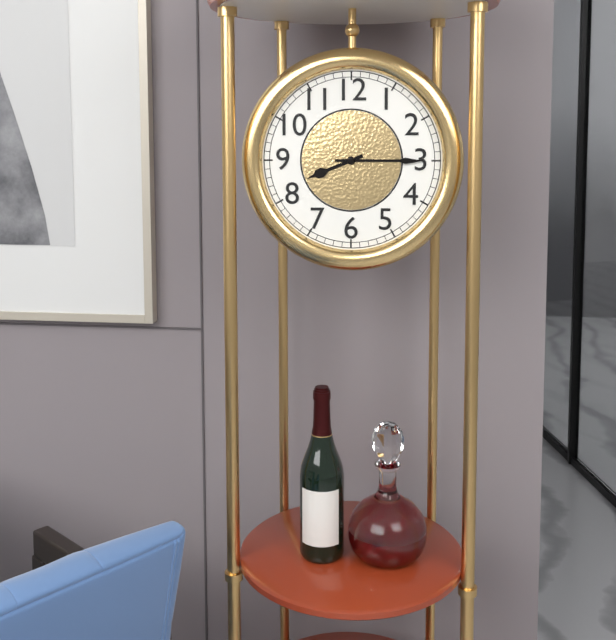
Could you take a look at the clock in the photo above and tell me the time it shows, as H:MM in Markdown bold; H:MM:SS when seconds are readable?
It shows **8:15**
